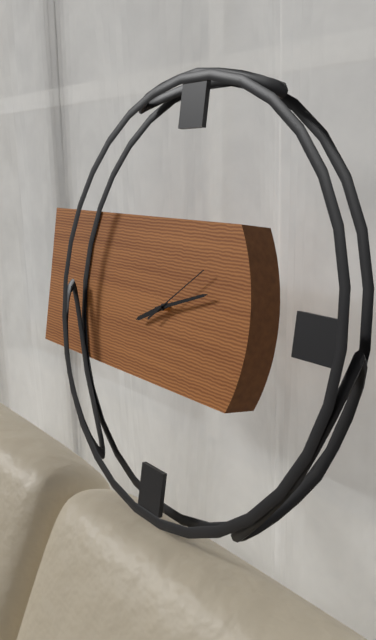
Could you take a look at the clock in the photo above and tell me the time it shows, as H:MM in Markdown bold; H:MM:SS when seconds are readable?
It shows **8:12:09**
